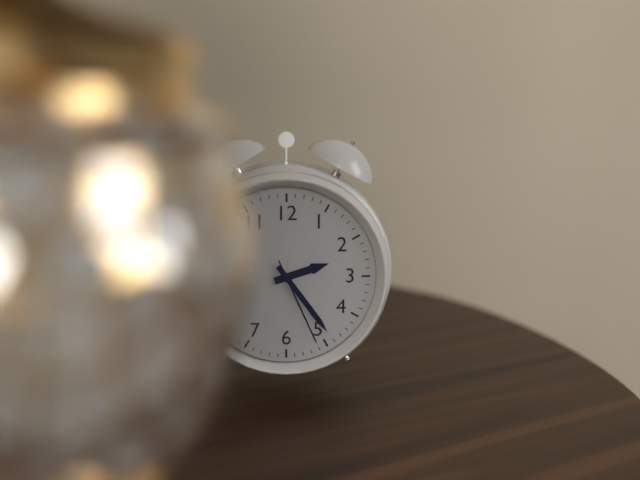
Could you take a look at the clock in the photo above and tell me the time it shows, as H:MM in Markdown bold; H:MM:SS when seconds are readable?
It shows **2:24:26**
